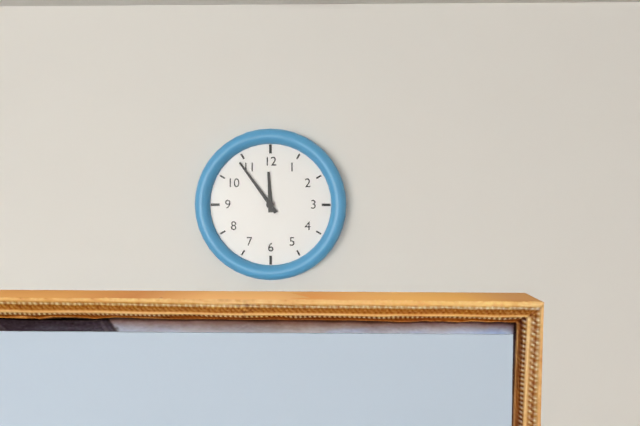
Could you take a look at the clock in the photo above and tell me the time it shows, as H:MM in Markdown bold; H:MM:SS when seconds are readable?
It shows **11:54**
